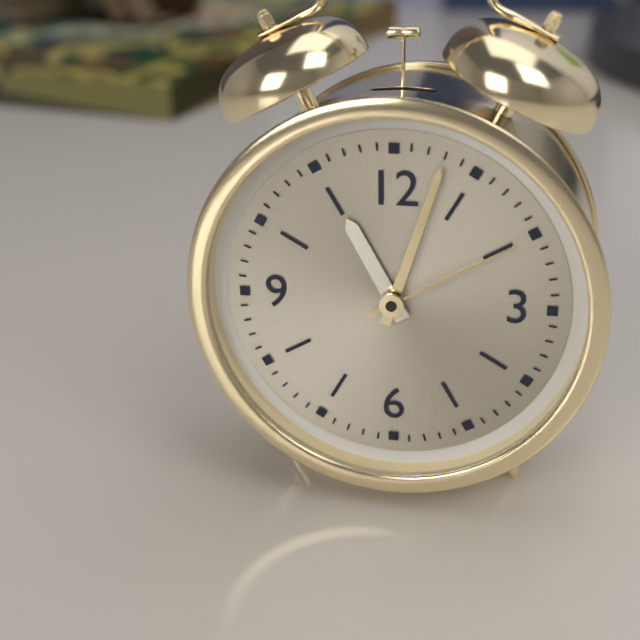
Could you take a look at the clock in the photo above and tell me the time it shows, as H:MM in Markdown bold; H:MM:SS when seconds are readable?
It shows **11:03:10**
